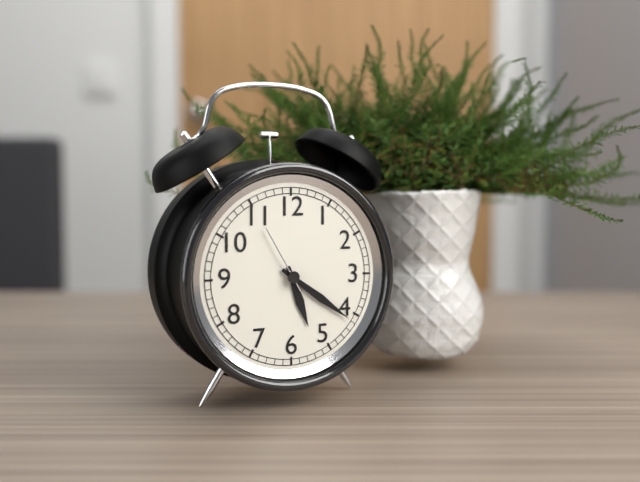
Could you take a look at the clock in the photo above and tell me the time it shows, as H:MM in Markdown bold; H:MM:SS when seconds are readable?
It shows **5:21:55**
